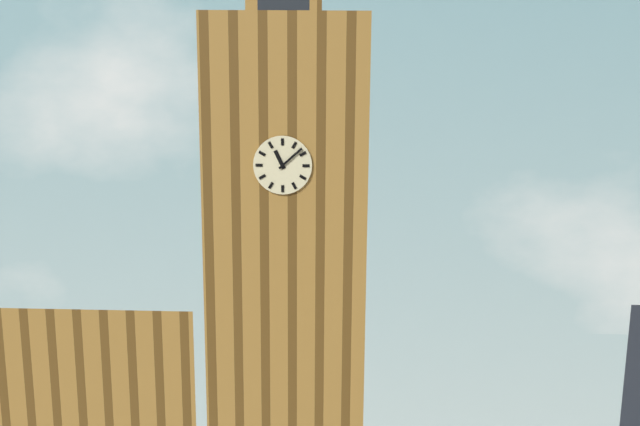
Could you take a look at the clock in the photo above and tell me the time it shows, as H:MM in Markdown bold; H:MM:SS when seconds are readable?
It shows **11:08**
